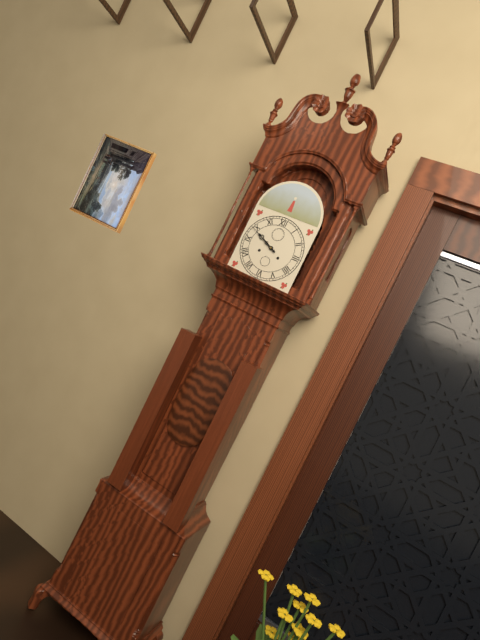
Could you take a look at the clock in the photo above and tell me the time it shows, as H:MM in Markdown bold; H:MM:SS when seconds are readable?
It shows **9:49**
